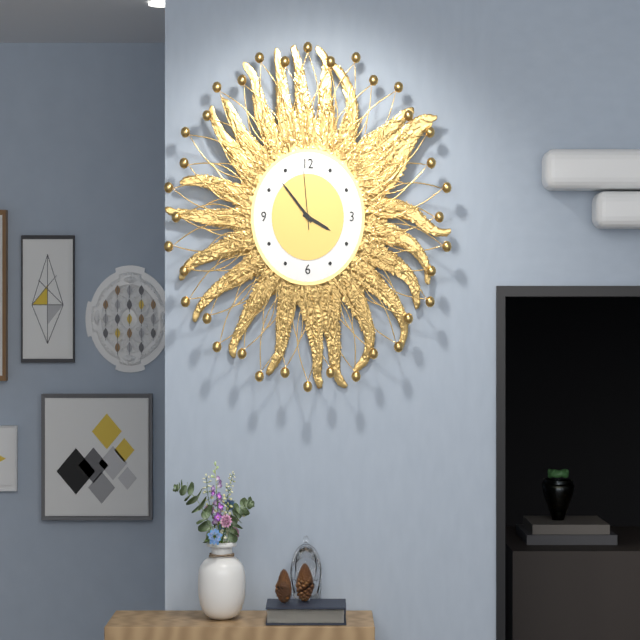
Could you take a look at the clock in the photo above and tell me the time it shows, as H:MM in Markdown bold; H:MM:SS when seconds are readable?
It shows **3:53:59**
